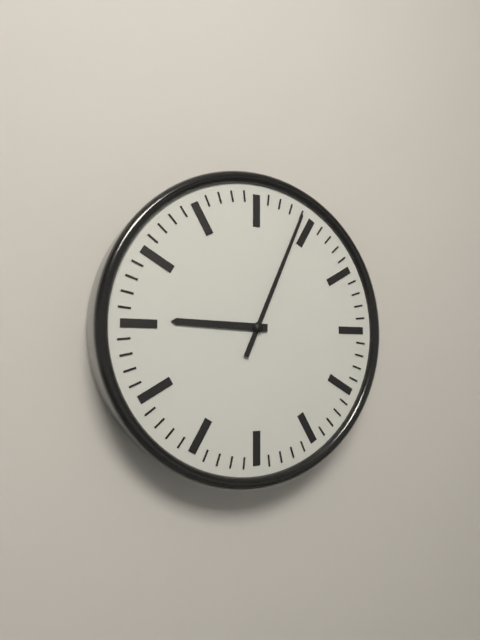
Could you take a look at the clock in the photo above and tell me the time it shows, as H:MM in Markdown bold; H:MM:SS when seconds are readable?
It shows **9:04**
